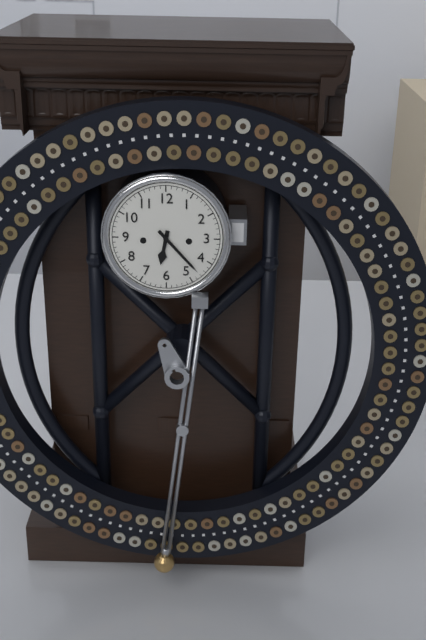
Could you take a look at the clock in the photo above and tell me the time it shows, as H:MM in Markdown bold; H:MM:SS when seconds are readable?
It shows **6:23**
